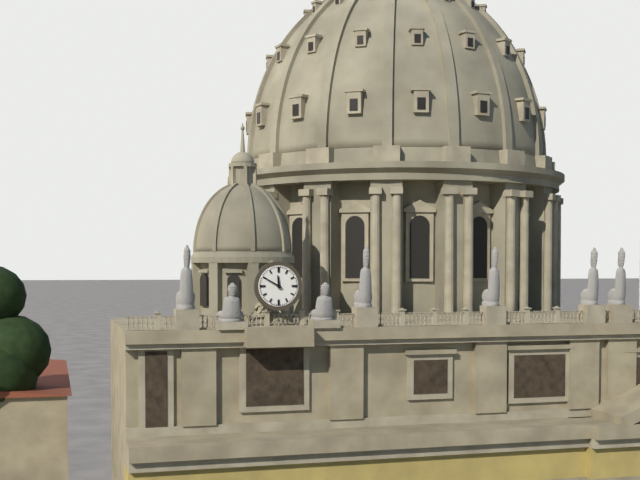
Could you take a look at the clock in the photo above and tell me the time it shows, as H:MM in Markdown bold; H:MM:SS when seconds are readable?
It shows **11:50**
